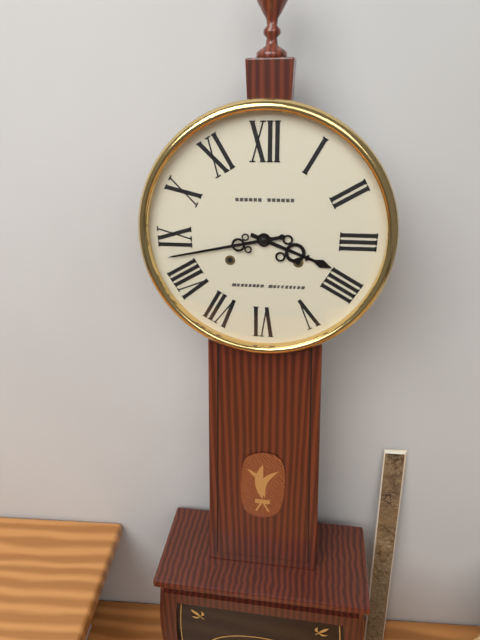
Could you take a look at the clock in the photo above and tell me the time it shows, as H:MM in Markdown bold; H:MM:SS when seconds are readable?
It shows **3:43**
